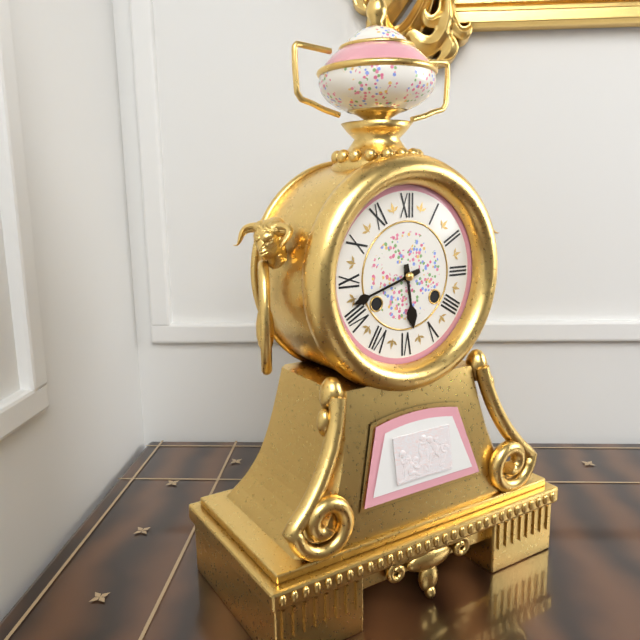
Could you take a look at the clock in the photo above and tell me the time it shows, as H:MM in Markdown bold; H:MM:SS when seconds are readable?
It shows **5:42**
